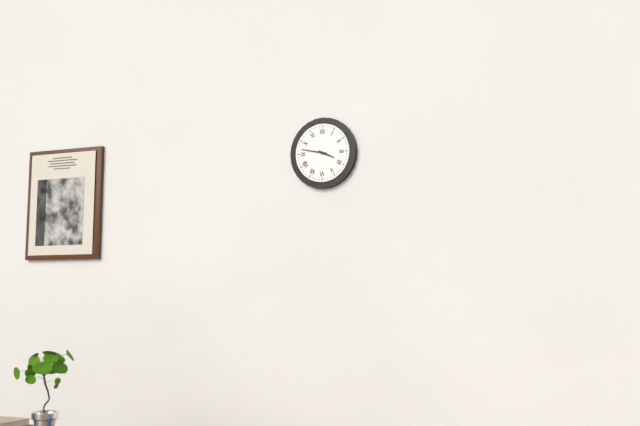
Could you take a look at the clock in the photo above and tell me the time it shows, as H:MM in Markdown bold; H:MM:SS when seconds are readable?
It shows **3:47**
